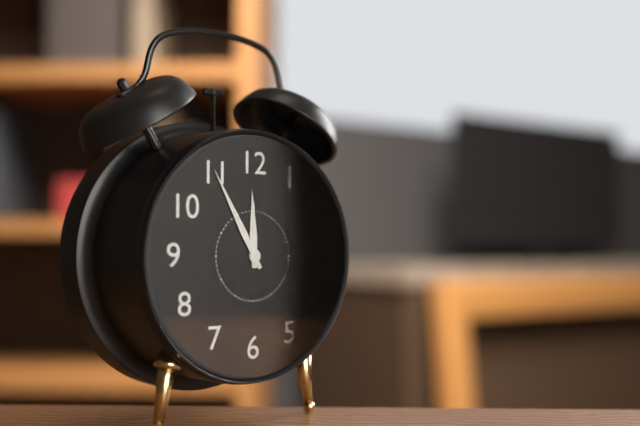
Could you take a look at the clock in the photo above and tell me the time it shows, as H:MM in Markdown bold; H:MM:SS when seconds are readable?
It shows **11:55**
